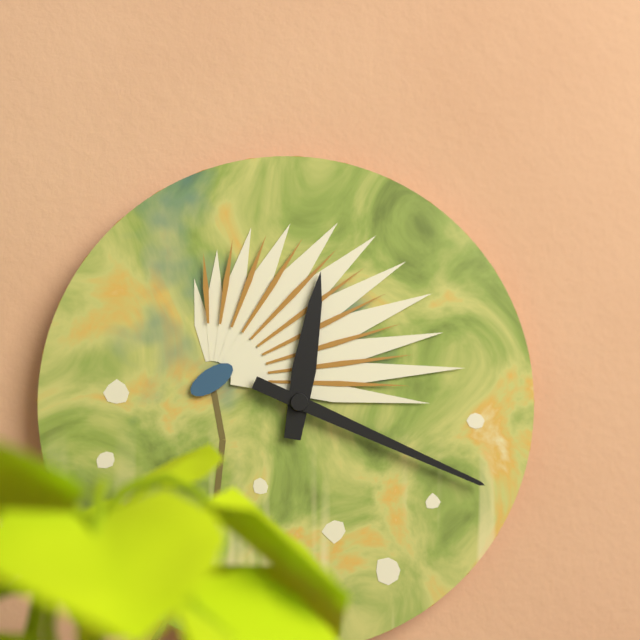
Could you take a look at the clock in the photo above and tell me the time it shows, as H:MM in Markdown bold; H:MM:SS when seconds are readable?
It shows **12:19**
